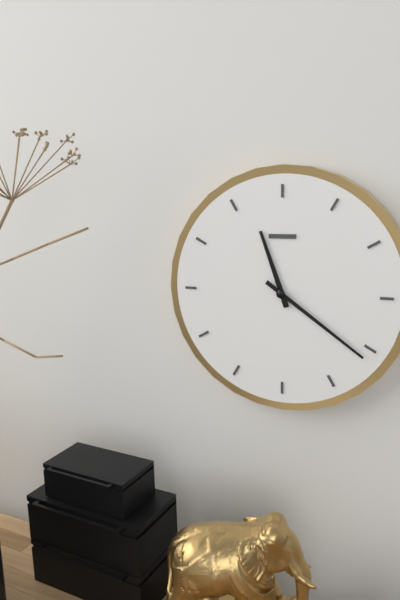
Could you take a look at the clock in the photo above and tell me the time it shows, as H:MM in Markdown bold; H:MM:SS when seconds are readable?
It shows **11:21**
